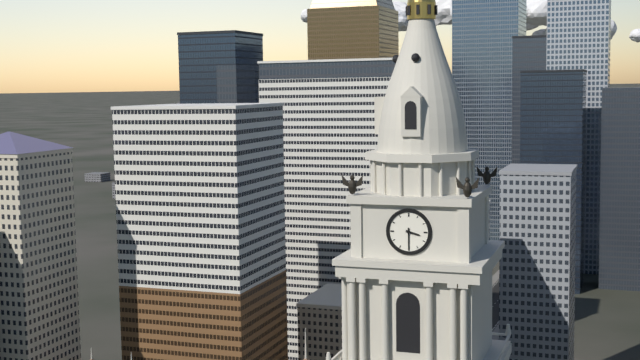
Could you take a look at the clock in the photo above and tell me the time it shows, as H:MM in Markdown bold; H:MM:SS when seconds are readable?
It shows **3:30**
